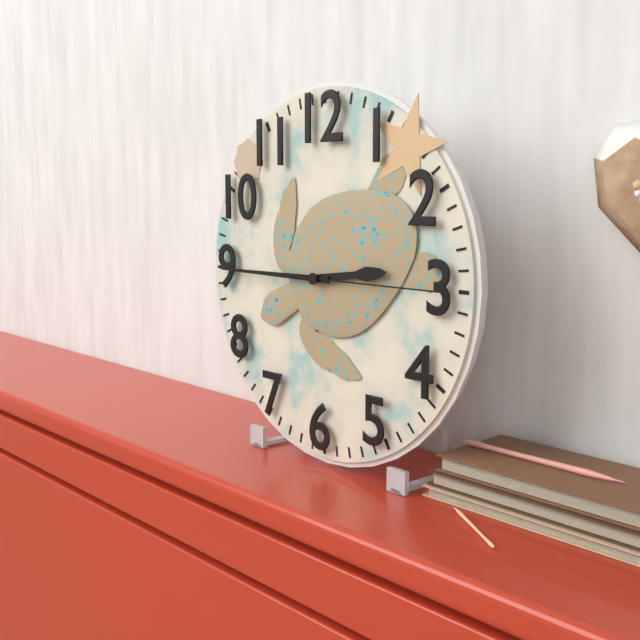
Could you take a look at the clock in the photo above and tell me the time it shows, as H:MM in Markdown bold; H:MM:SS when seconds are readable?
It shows **2:45:15**
